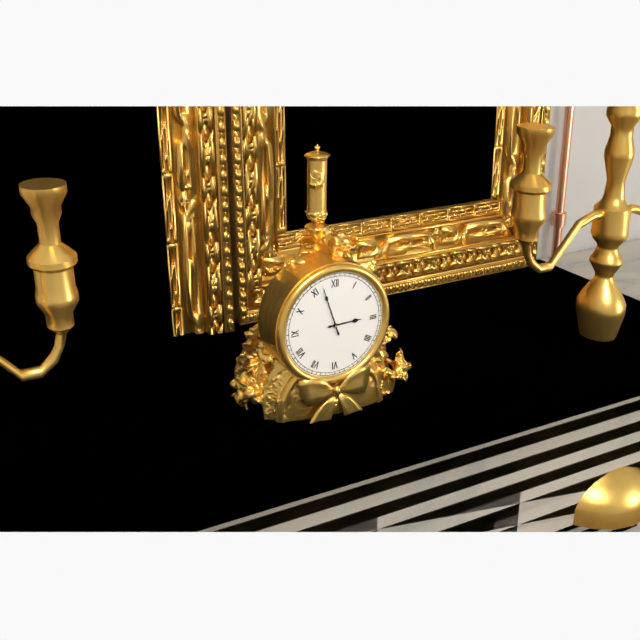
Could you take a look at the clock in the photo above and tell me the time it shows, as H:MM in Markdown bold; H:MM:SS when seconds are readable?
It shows **2:57**
